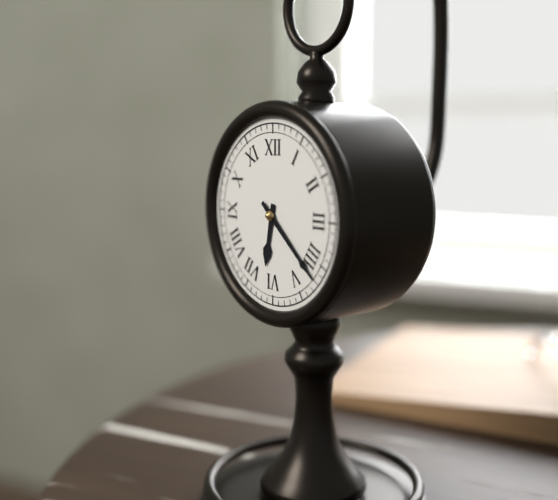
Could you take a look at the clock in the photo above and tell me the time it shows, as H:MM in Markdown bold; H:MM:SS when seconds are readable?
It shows **6:22**
